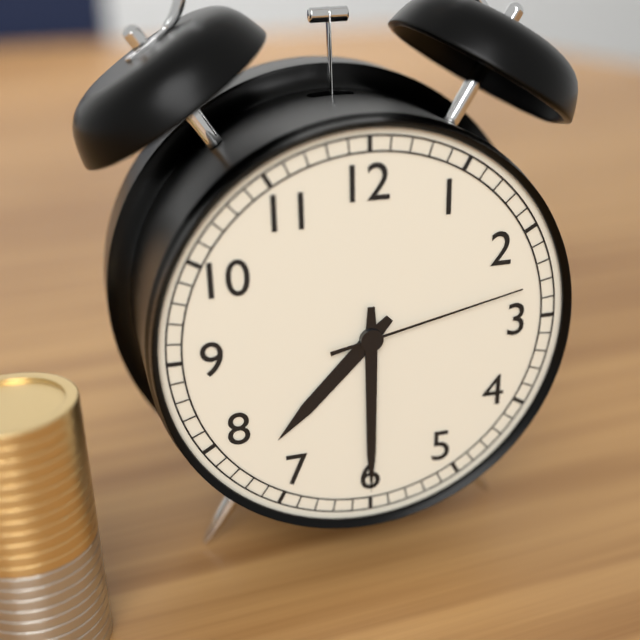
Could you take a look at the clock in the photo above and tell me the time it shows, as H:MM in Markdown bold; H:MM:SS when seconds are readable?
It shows **7:30:13**
